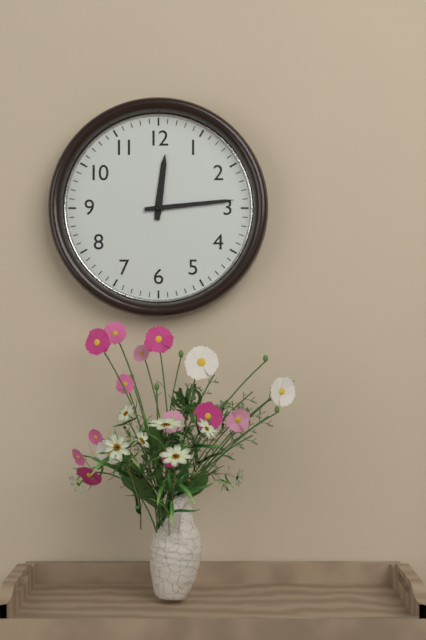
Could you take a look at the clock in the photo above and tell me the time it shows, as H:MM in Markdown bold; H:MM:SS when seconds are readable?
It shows **12:14**
